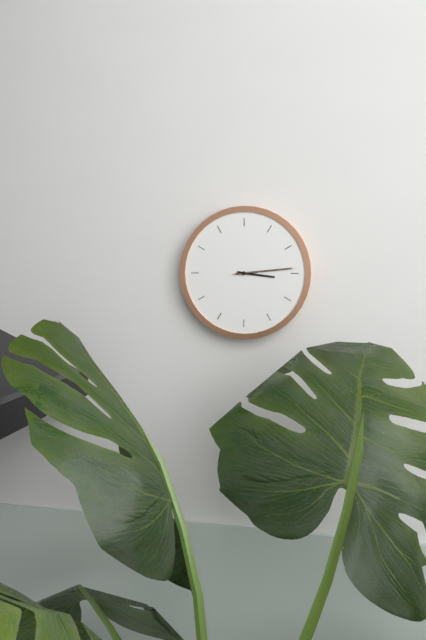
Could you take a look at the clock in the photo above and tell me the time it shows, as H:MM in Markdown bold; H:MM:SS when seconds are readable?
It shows **3:14:14**
